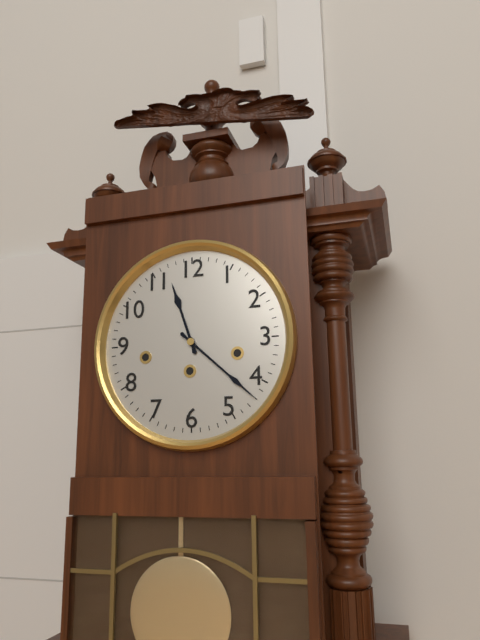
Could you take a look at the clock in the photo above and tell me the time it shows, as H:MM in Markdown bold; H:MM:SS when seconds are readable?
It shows **11:22**
